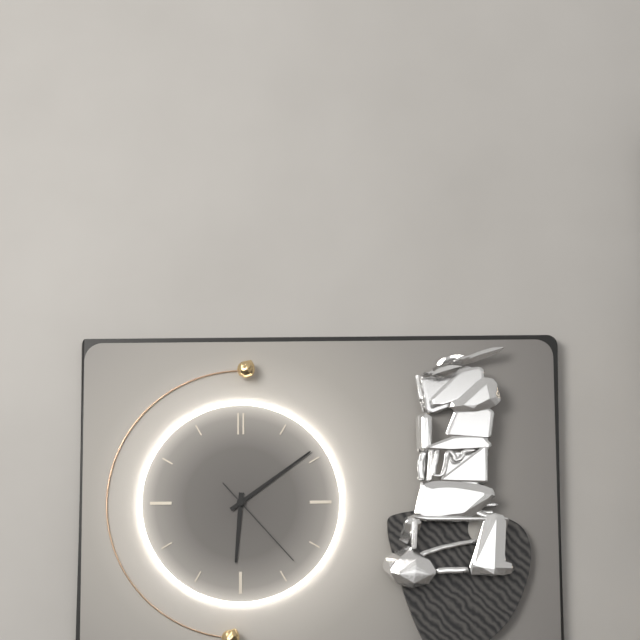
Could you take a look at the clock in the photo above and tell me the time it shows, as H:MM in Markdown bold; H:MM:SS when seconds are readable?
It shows **6:09:23**
